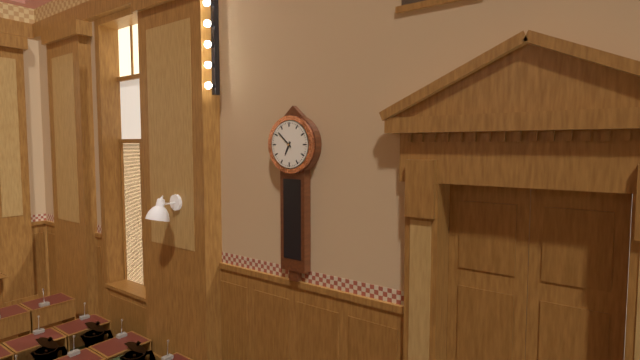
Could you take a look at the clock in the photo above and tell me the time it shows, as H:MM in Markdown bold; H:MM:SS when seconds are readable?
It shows **6:52**
